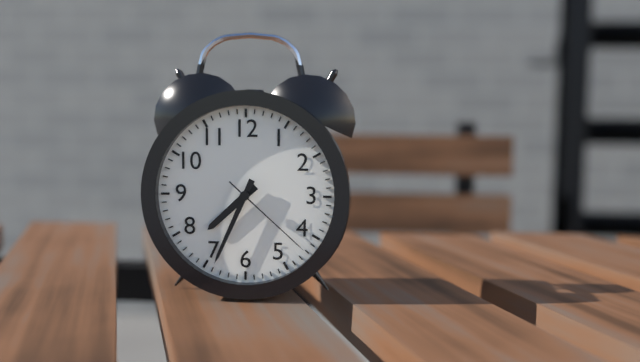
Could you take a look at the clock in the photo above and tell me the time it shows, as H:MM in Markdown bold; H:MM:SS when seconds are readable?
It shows **7:34:22**
